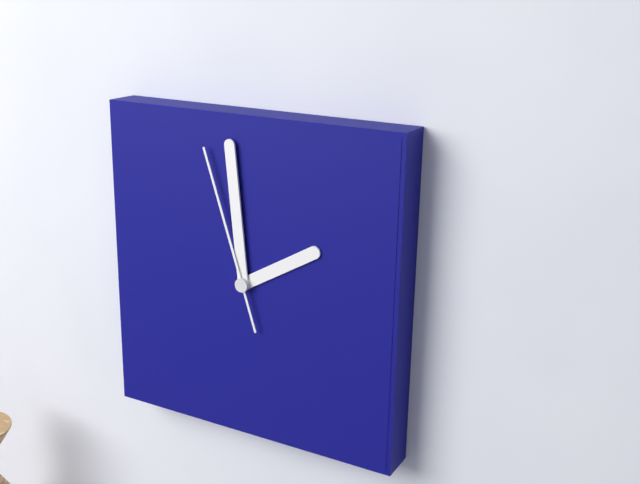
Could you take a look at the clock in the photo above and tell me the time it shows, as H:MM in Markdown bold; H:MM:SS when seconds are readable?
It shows **1:59:57**
